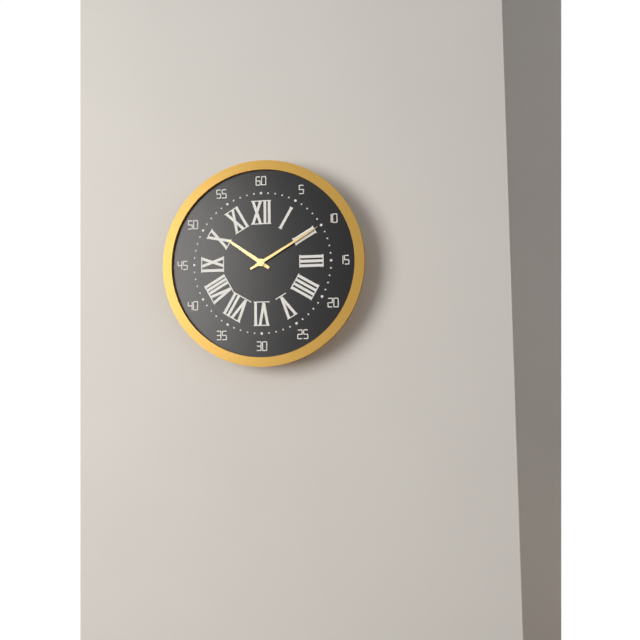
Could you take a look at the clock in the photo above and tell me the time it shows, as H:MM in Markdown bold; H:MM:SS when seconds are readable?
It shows **10:10**
